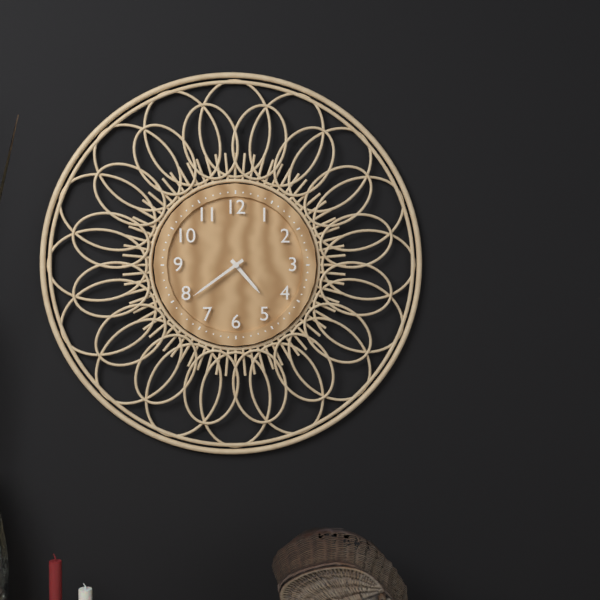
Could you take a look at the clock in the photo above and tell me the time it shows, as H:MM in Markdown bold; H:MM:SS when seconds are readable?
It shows **4:39**
